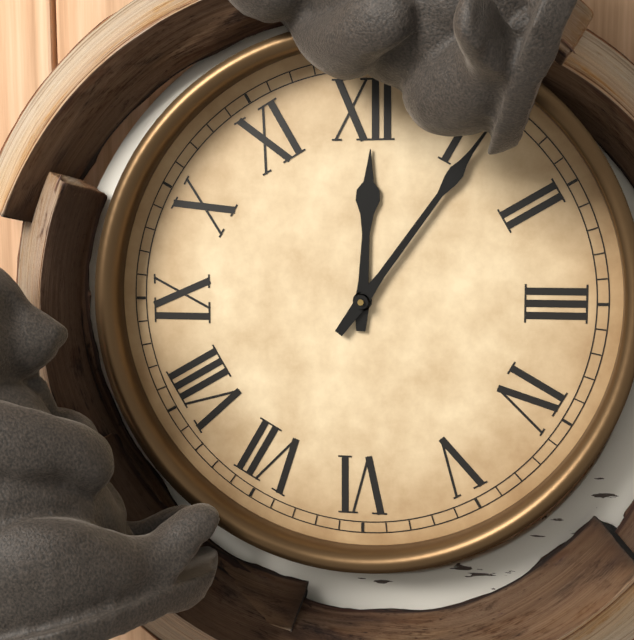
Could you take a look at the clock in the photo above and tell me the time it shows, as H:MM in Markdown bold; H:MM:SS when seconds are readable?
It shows **12:06**
